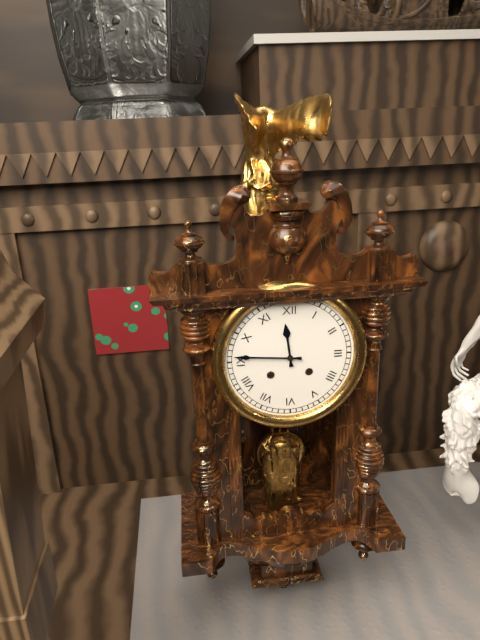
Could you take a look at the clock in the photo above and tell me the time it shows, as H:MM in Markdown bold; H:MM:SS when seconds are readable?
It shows **11:46**
